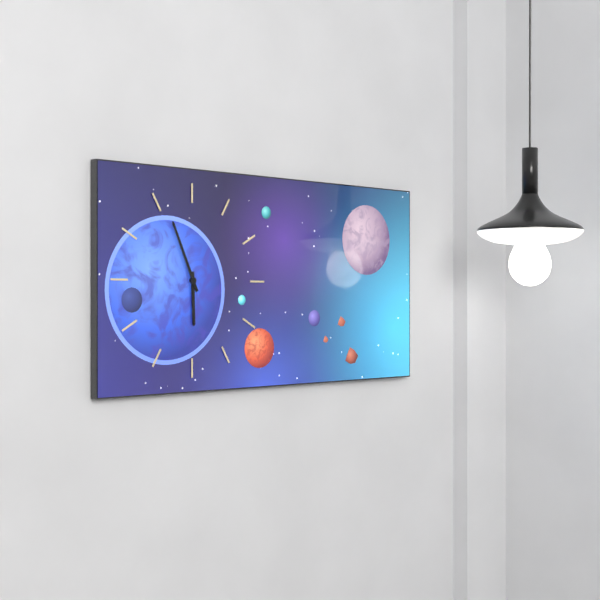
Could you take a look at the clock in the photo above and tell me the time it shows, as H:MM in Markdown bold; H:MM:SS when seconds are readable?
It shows **5:56**
